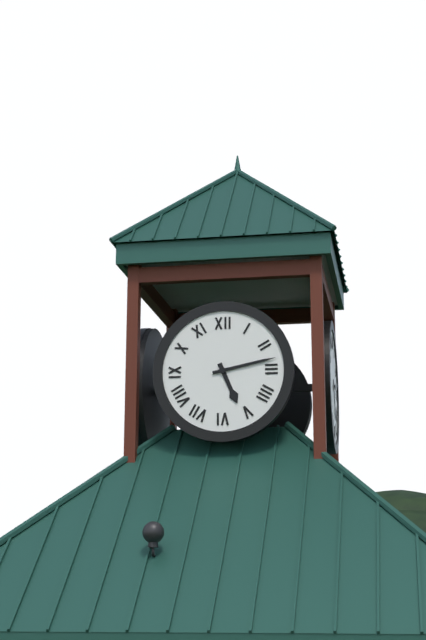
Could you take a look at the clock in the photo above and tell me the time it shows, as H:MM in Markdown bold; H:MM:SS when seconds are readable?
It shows **5:13**
